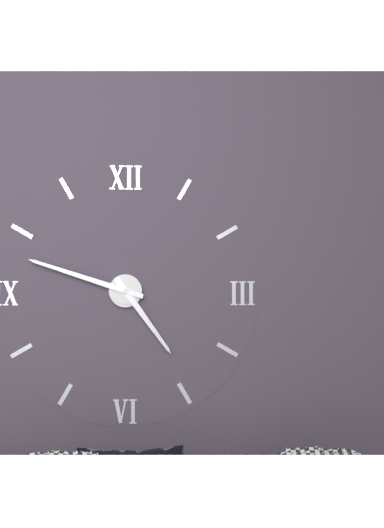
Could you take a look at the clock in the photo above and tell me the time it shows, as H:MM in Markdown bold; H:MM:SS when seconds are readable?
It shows **4:48**
